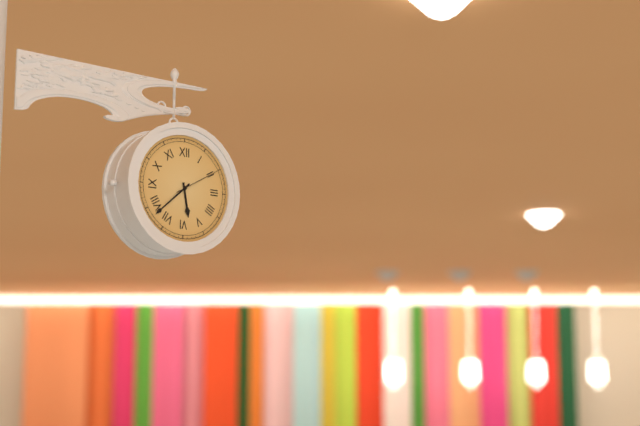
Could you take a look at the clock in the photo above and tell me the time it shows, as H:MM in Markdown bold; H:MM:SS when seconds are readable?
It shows **5:38**
